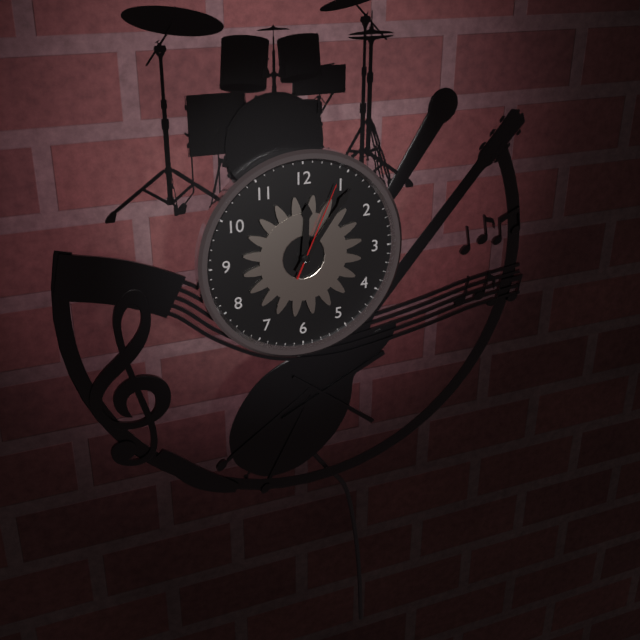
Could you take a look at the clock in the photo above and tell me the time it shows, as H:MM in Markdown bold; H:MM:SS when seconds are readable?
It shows **12:06:04**
